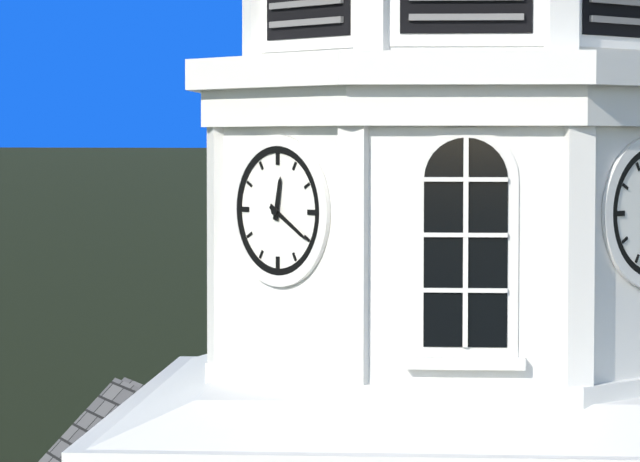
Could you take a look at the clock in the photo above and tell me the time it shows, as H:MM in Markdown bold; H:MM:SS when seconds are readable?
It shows **12:20**
